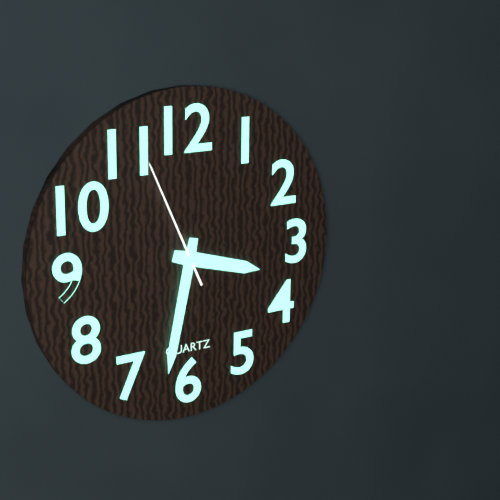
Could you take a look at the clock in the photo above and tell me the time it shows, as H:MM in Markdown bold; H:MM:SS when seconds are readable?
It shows **3:32:56**
